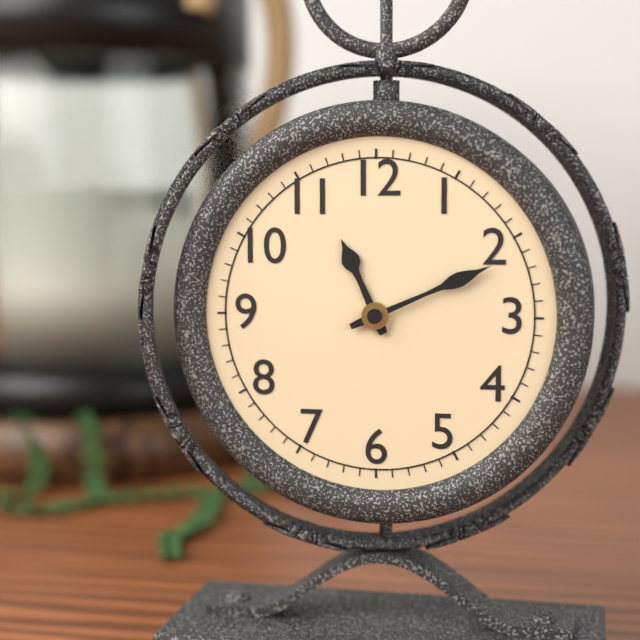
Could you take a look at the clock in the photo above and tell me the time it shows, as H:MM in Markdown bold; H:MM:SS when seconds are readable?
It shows **11:11**
